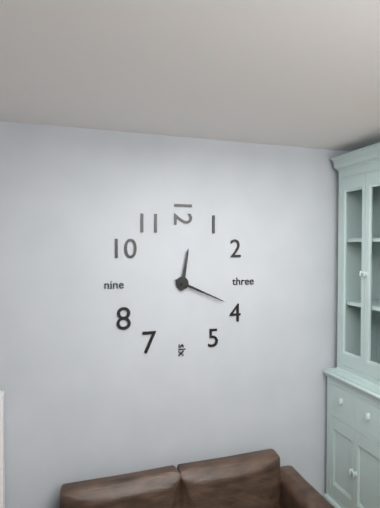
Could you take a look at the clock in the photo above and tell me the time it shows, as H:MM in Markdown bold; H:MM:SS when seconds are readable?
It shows **12:19**
